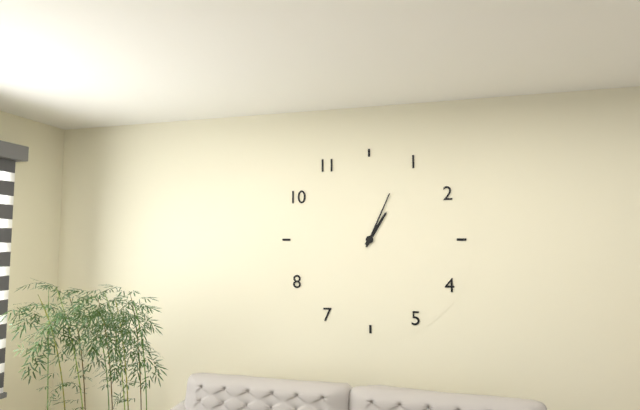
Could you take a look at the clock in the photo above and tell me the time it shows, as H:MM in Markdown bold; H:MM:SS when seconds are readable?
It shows **1:04**
